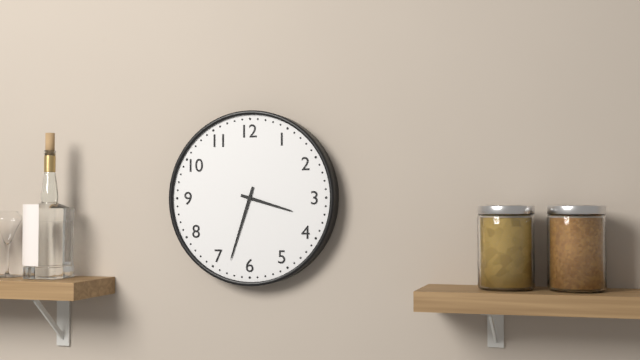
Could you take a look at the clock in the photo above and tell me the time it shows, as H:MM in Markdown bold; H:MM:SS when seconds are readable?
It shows **3:33**
